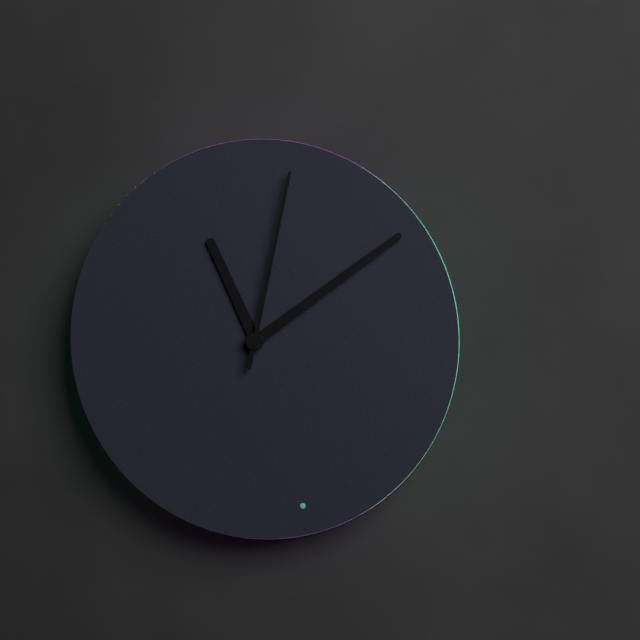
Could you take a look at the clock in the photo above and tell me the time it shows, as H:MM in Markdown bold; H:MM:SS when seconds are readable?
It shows **11:09:02**
